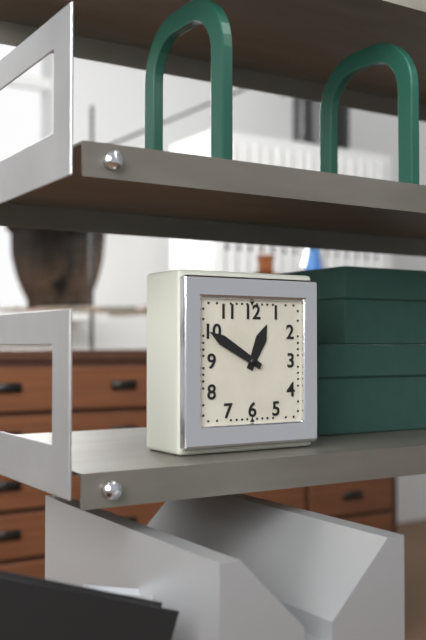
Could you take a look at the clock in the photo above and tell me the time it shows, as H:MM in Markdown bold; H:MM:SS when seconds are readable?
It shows **12:50**
